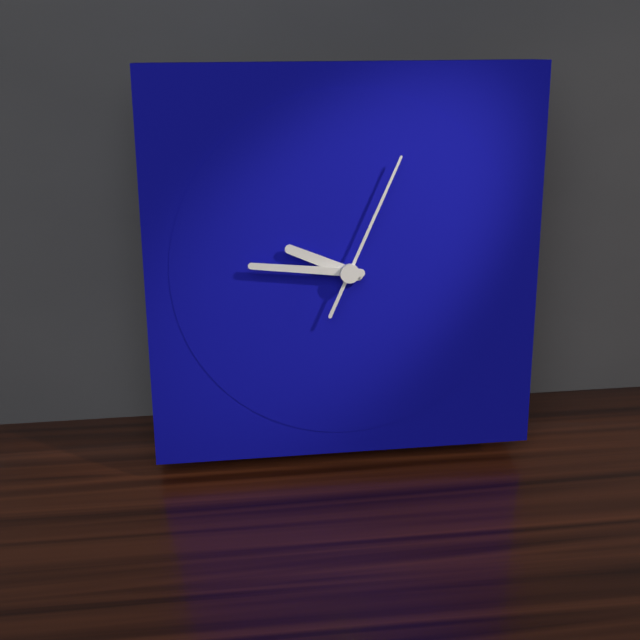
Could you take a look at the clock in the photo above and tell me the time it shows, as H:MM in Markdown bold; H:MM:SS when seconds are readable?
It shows **9:46:04**
